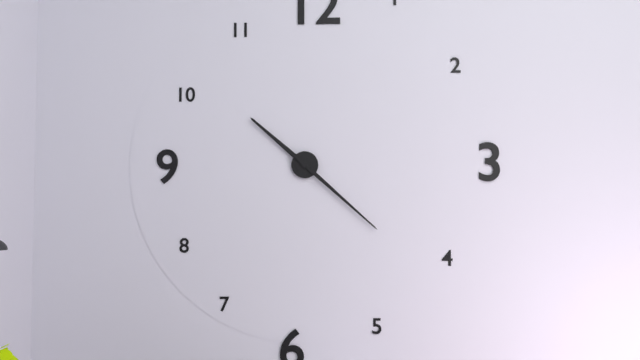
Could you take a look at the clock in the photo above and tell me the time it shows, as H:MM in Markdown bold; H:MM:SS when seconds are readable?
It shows **10:22**
